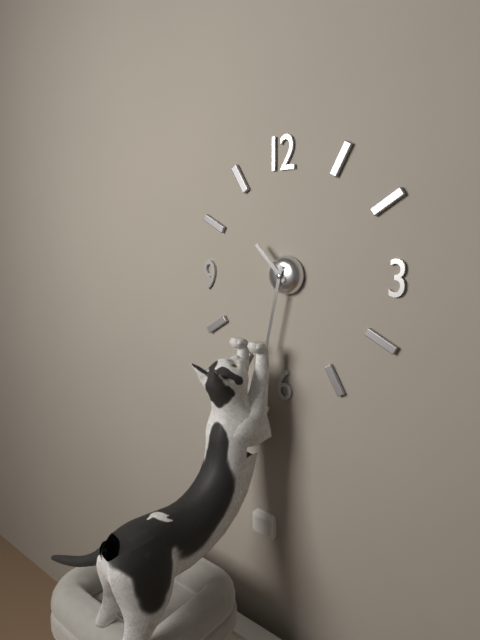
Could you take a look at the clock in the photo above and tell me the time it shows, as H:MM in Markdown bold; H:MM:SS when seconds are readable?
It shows **10:32**
